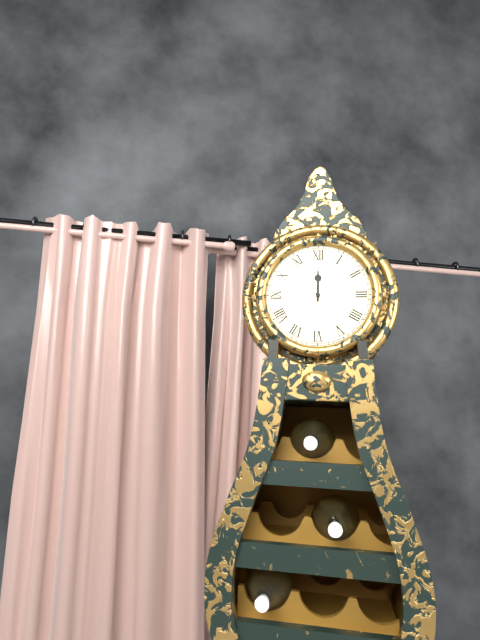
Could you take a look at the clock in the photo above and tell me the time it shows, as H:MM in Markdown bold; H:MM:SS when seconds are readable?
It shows **12:00**
